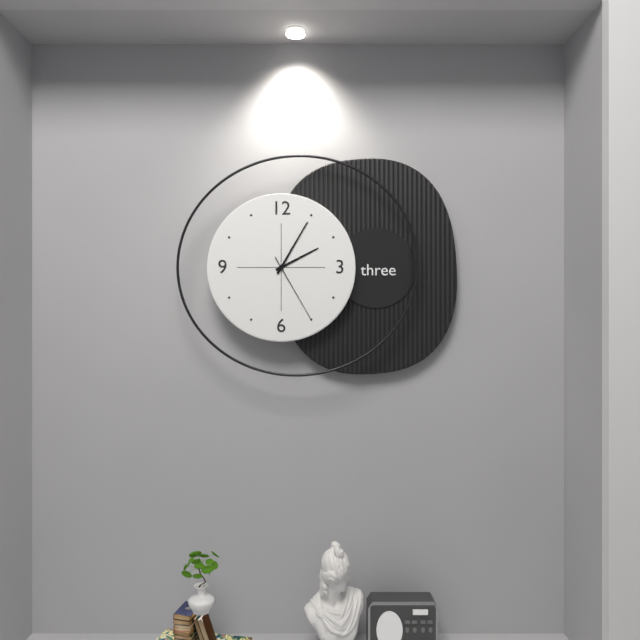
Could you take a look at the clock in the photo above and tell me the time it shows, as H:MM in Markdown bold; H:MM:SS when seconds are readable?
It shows **2:05:25**
